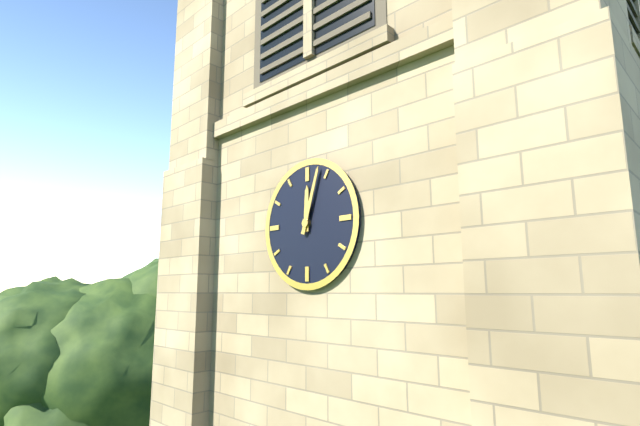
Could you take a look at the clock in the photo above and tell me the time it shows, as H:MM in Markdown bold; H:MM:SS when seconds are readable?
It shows **12:03**
